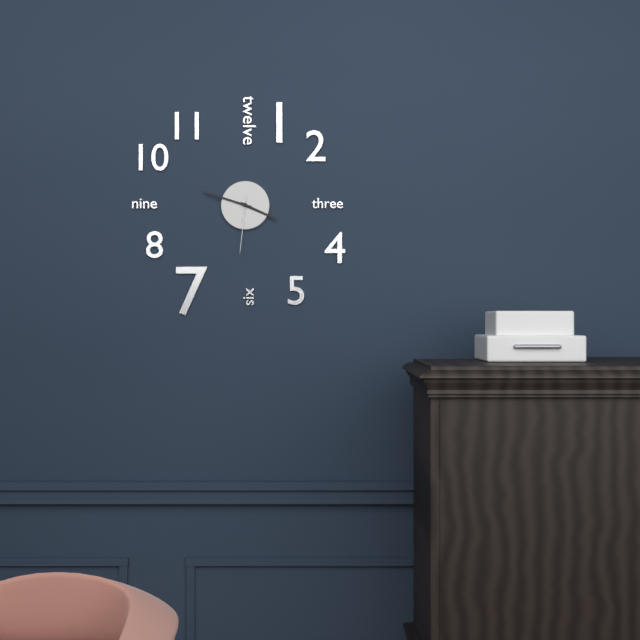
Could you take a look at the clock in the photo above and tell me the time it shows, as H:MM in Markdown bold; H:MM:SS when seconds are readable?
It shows **3:48:31**
